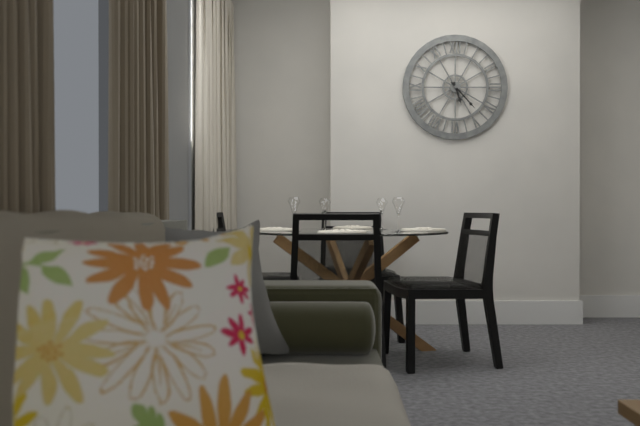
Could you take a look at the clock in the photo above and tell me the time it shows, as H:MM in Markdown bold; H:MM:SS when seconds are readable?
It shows **5:23**
